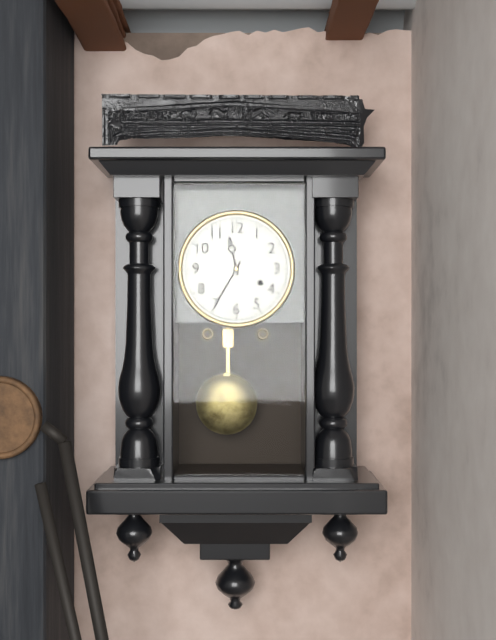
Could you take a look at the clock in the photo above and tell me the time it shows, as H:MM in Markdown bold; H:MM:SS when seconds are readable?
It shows **11:35**
